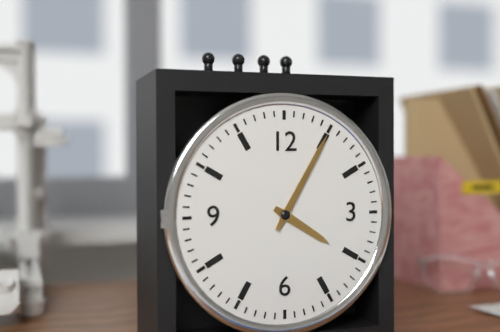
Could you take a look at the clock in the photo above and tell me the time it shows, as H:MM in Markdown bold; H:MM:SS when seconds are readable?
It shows **4:05**
